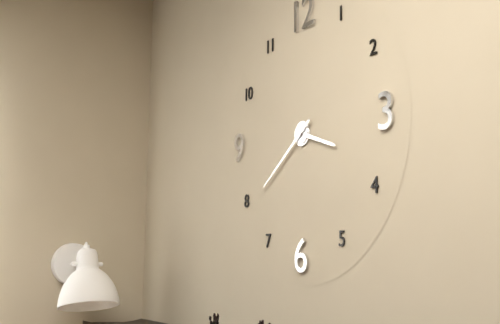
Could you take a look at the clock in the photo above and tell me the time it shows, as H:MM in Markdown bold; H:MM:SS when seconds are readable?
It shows **3:39**
